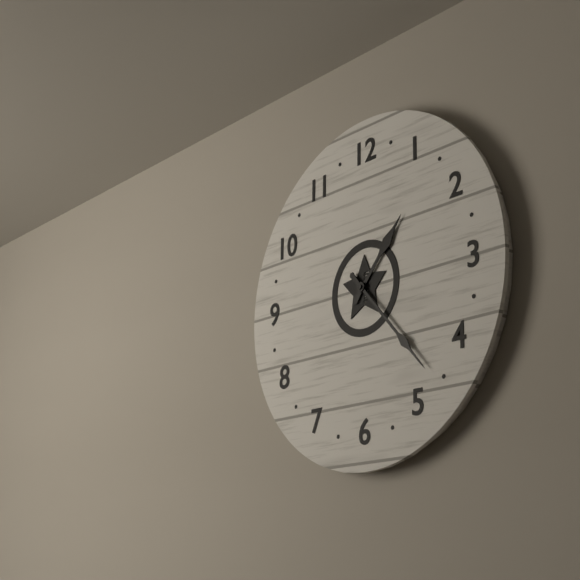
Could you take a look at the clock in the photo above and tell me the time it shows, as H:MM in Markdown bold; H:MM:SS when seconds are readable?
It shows **1:23**
